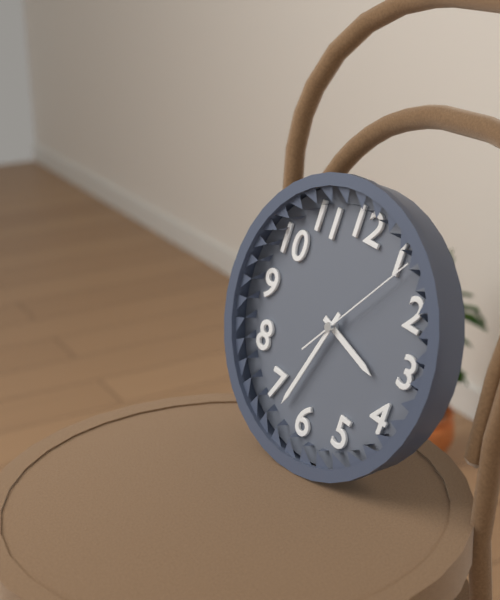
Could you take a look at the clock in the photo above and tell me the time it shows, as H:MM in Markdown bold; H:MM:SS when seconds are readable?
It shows **3:33:06**
